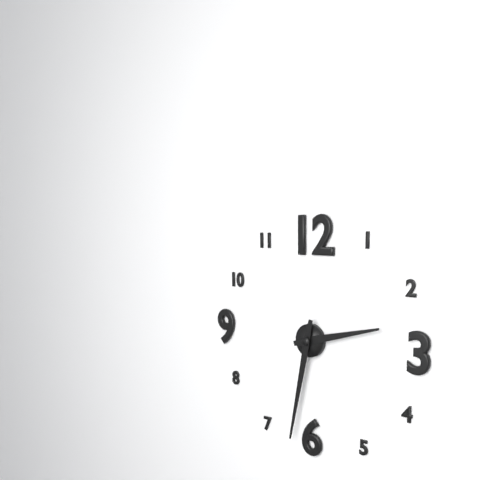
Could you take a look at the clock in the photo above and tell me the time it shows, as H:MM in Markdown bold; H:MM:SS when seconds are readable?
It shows **2:32**
